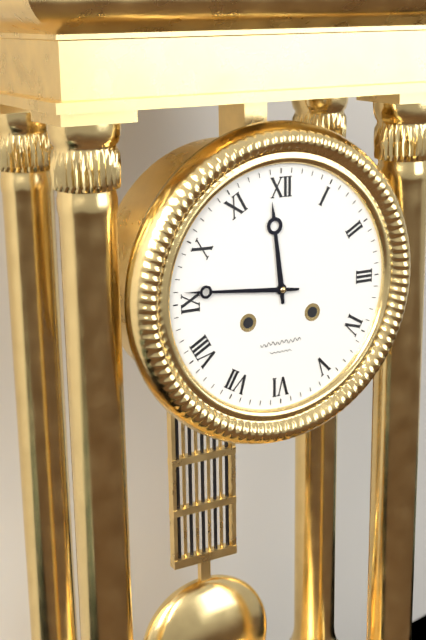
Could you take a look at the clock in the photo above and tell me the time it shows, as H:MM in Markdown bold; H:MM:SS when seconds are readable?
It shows **11:46**
